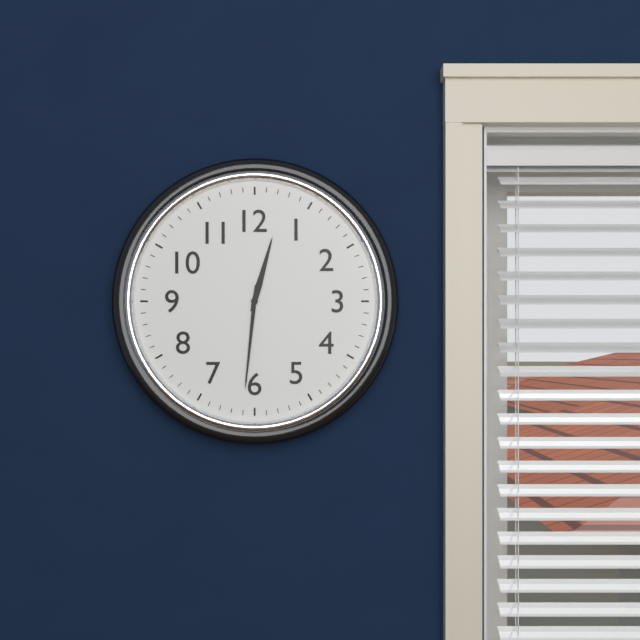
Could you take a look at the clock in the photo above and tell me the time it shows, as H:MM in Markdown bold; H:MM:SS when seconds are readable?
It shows **12:31**
